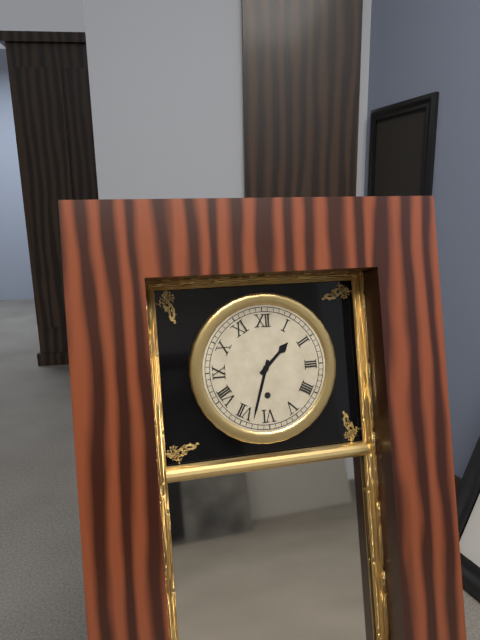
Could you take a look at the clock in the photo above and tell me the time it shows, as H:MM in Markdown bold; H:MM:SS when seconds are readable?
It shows **1:33**
